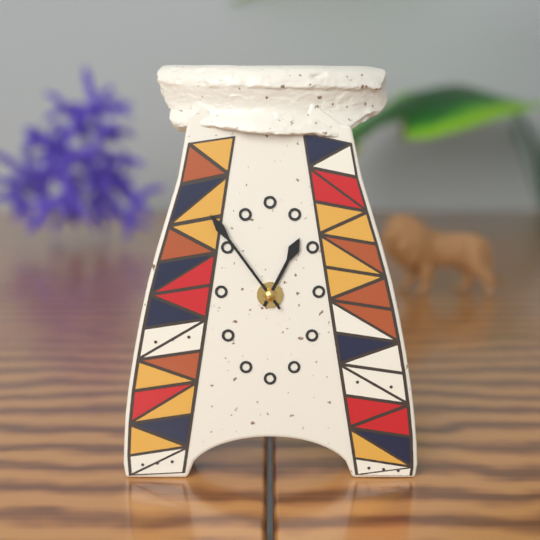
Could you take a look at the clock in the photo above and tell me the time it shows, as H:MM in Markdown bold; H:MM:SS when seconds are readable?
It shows **12:54**
